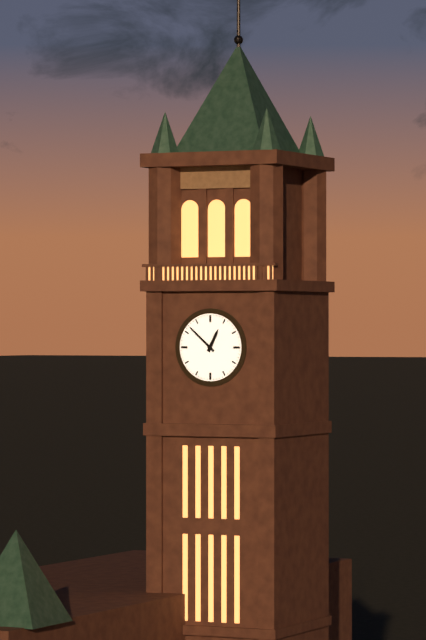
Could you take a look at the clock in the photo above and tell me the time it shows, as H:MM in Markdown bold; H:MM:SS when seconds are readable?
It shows **12:52**
